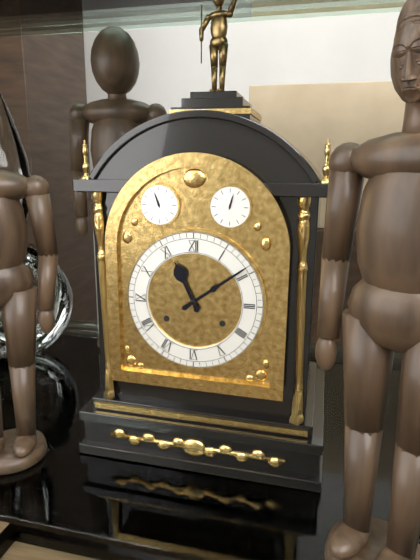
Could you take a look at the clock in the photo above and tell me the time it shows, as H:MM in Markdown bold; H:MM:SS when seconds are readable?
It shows **11:09**
